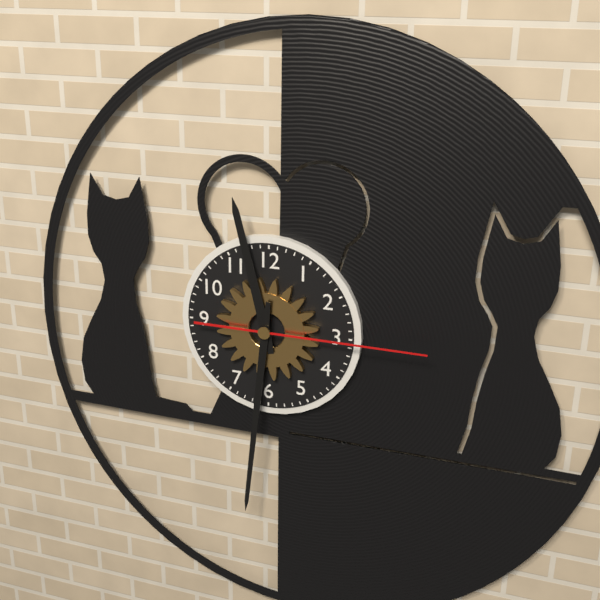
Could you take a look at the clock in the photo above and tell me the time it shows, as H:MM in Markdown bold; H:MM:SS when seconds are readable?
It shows **11:31:15**
